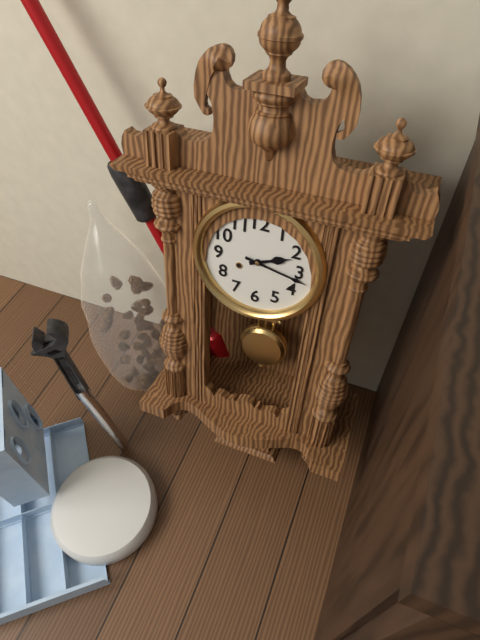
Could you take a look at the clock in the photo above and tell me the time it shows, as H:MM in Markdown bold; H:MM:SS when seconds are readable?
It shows **2:17**
